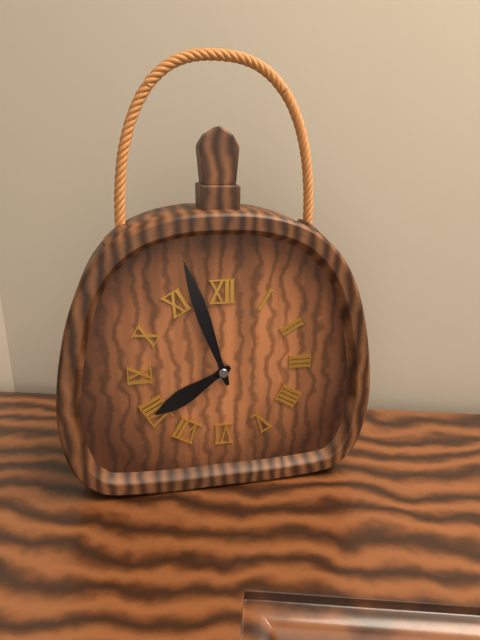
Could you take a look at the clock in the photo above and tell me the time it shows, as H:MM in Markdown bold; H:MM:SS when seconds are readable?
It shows **7:57**
